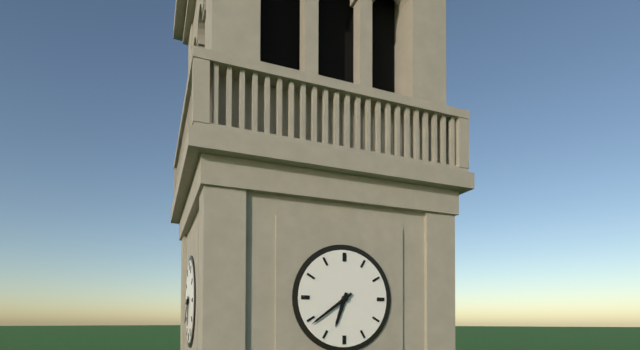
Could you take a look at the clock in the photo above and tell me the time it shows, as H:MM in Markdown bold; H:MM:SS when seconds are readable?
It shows **6:39**
